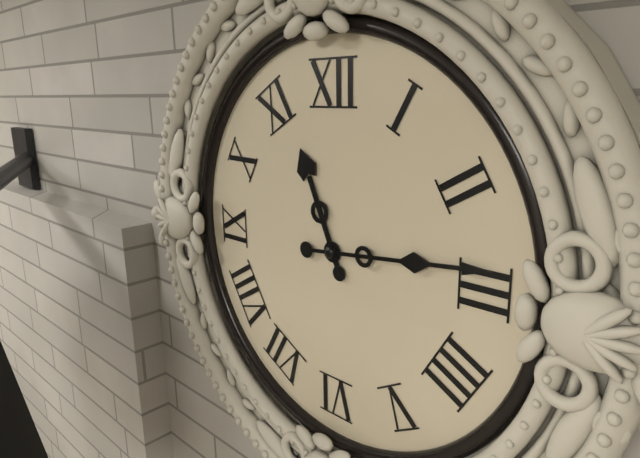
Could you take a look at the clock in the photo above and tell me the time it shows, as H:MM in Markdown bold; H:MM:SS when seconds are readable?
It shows **11:14**
